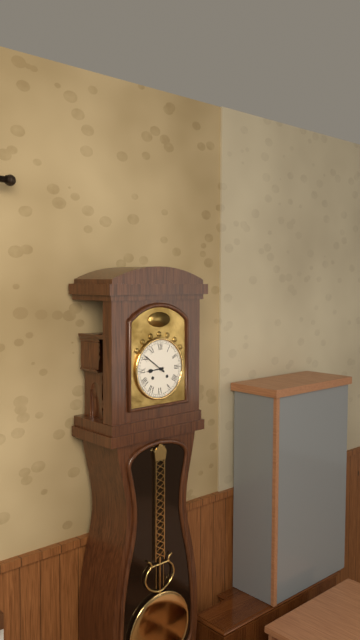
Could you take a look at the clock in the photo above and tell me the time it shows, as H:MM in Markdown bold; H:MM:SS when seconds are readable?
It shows **8:51**
